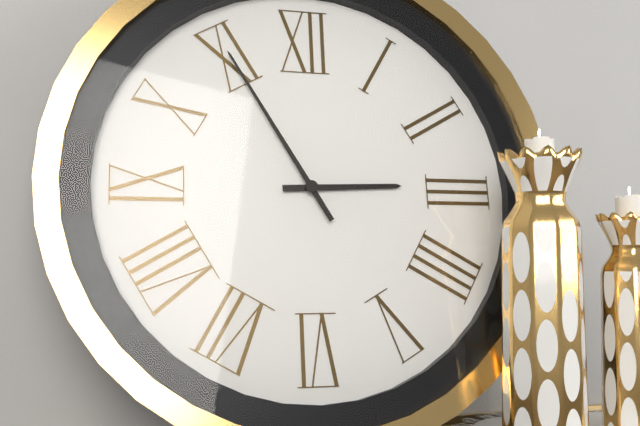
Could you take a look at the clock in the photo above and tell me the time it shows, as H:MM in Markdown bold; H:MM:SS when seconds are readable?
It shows **2:55**
